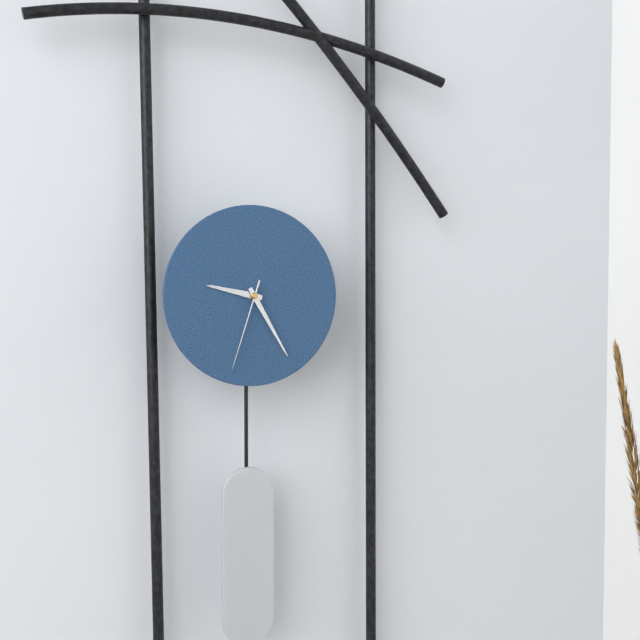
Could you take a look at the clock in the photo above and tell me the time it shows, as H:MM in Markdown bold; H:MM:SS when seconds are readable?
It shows **9:25:33**
